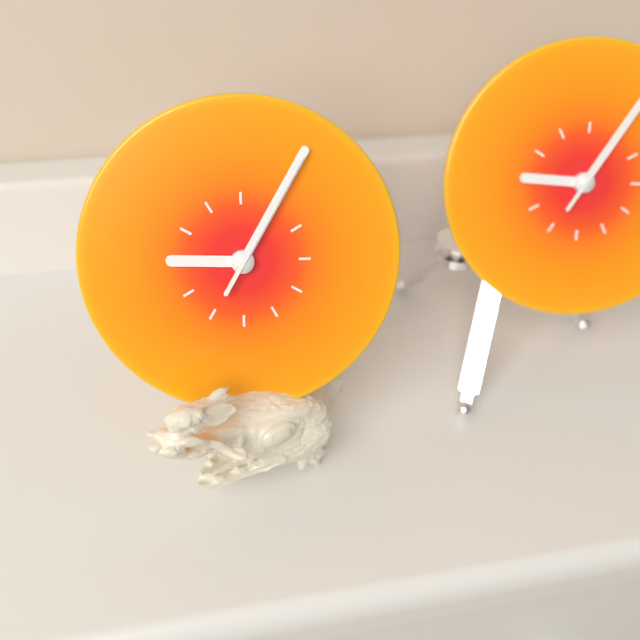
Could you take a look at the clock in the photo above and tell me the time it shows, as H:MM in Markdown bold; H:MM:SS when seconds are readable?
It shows **9:05:05**
